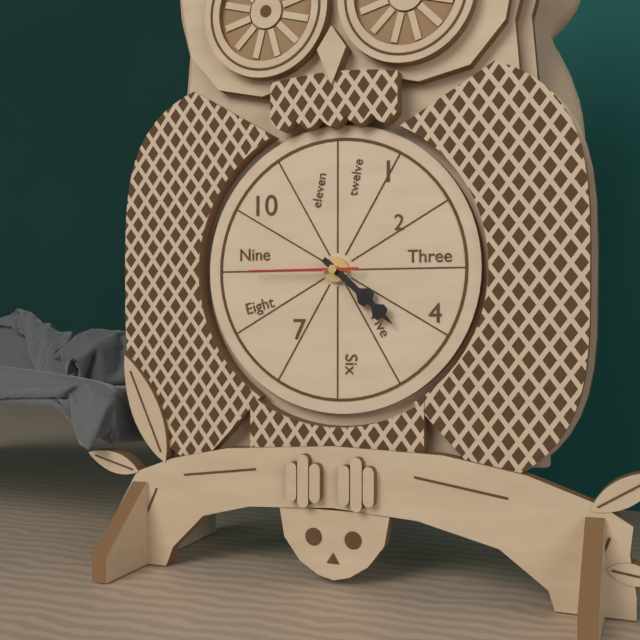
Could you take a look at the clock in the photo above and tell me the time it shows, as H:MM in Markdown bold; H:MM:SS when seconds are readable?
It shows **4:22:45**
